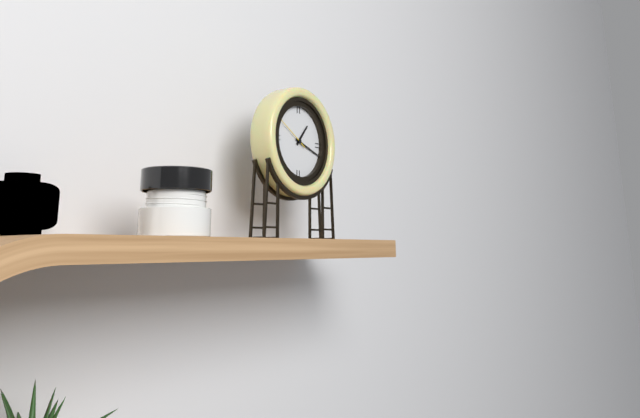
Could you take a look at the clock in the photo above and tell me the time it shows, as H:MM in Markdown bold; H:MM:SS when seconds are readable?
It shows **1:18**
